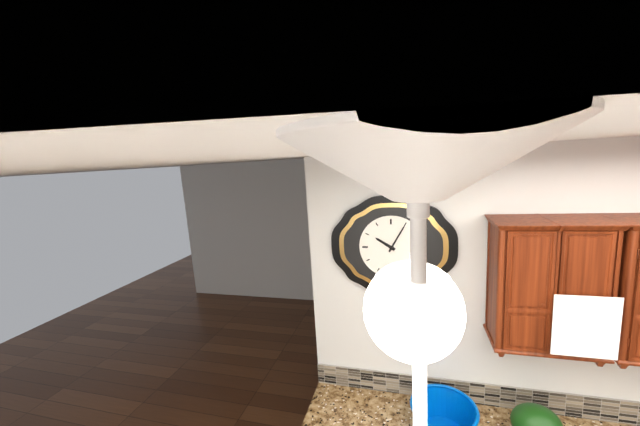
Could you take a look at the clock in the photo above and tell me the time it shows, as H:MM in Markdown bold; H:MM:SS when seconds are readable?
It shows **10:05**
